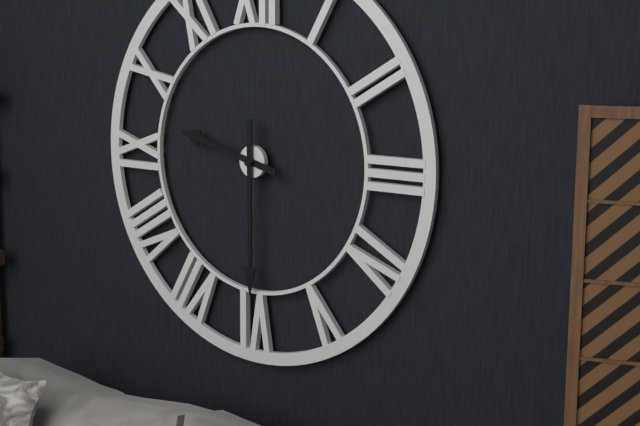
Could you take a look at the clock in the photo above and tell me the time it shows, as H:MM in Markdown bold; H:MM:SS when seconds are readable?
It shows **9:30**
